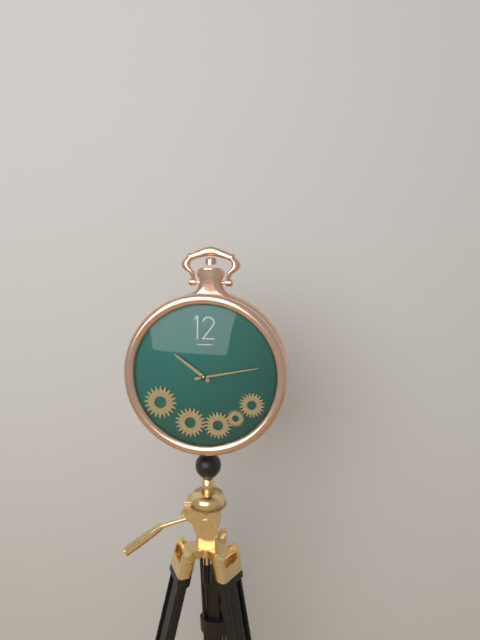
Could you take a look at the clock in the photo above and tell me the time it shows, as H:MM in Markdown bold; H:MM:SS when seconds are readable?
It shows **10:13**
